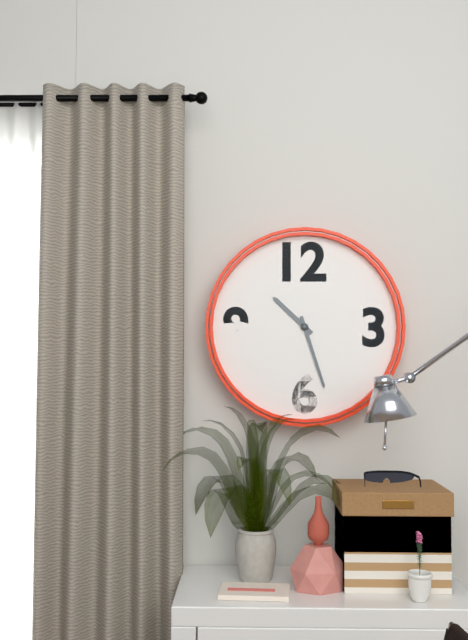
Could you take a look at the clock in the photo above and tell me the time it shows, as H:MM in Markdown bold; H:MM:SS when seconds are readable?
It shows **10:27**
